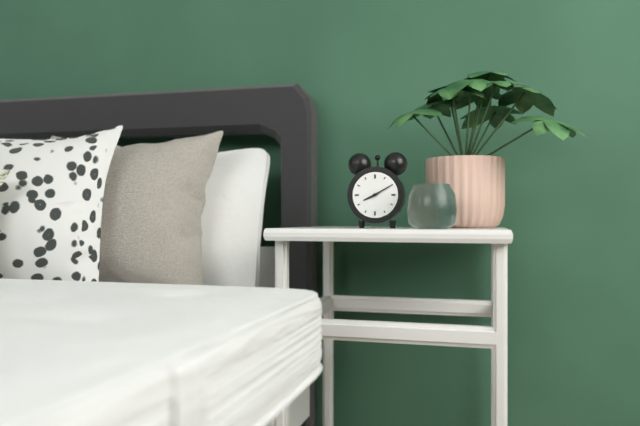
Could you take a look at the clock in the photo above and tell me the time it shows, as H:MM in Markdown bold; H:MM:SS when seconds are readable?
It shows **8:10**
